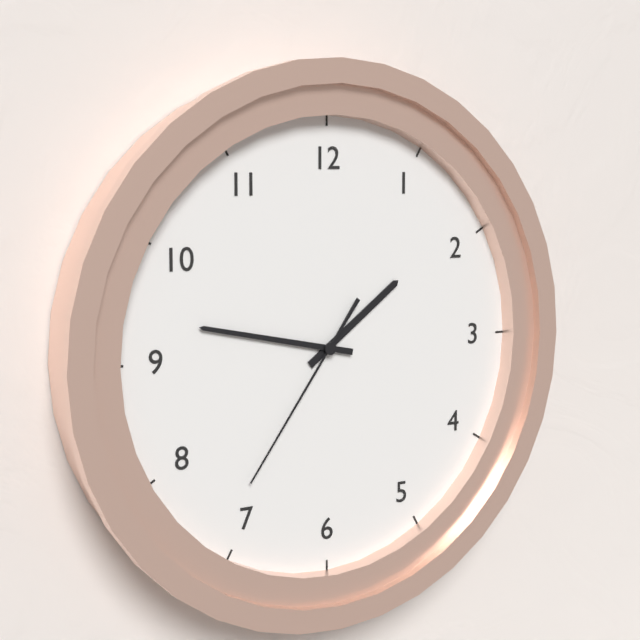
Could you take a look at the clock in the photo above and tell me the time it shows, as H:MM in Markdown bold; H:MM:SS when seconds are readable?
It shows **1:47:36**
